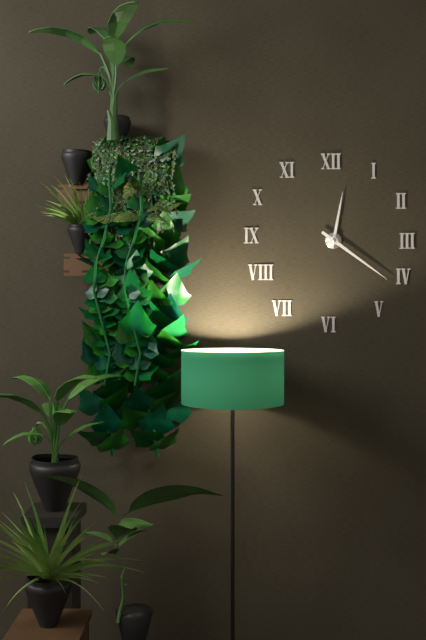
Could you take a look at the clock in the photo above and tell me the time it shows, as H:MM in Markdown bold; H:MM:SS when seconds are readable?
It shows **12:21**
